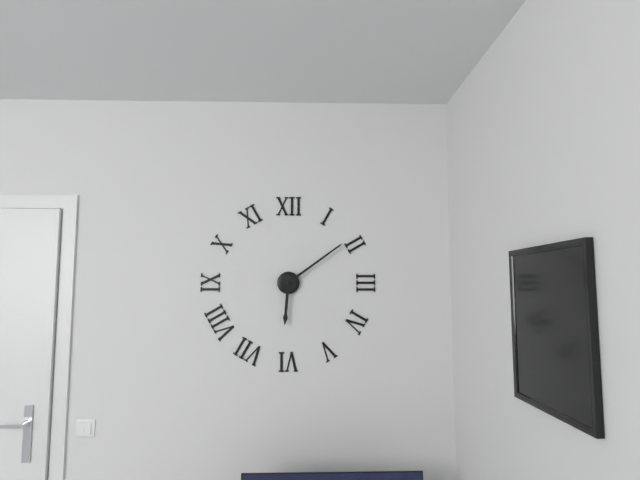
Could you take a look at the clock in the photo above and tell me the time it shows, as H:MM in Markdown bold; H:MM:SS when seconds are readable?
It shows **6:09**
